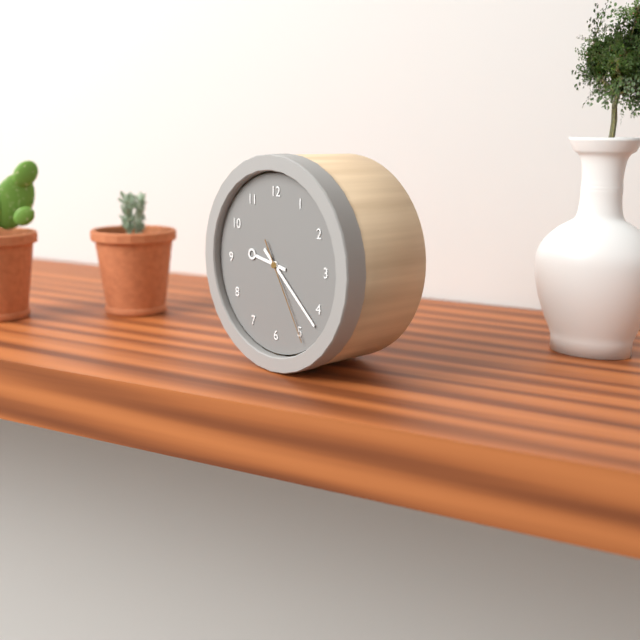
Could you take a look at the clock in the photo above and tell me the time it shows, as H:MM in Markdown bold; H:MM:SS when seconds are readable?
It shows **9:22:25**
